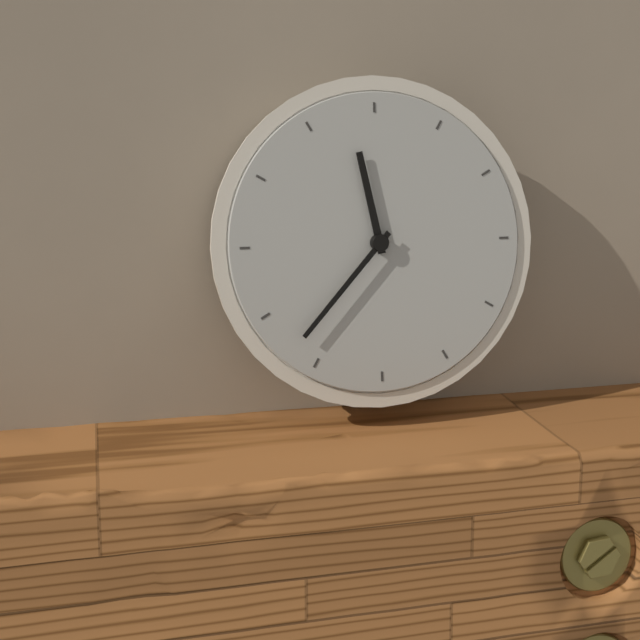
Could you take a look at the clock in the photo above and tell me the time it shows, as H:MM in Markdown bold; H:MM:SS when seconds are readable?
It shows **11:37**
